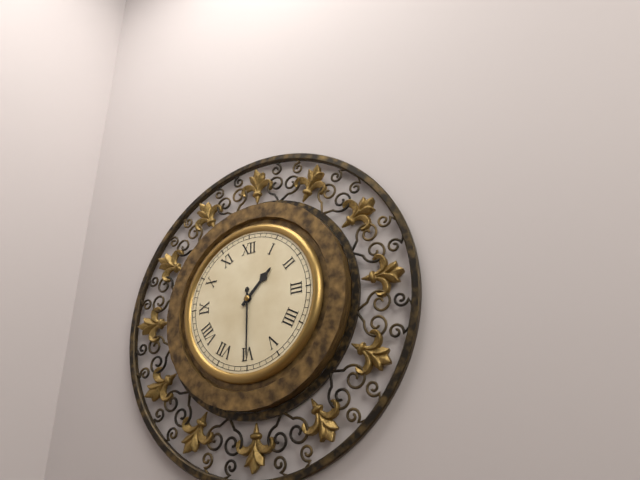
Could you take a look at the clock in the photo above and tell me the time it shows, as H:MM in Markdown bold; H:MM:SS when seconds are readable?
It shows **1:30**
